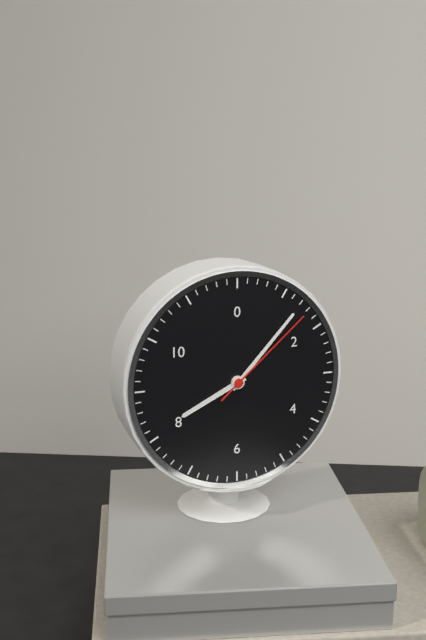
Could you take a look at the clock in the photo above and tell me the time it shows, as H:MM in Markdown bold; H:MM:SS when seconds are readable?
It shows **8:07:08**
